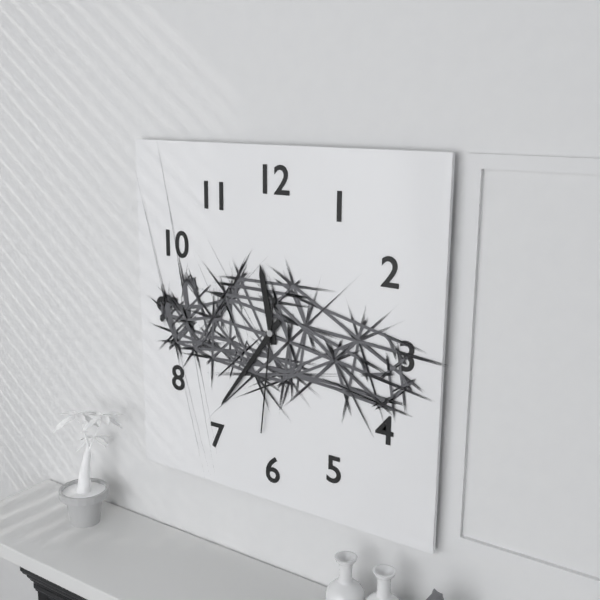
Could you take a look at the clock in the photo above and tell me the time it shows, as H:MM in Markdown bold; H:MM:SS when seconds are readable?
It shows **11:36:31**
